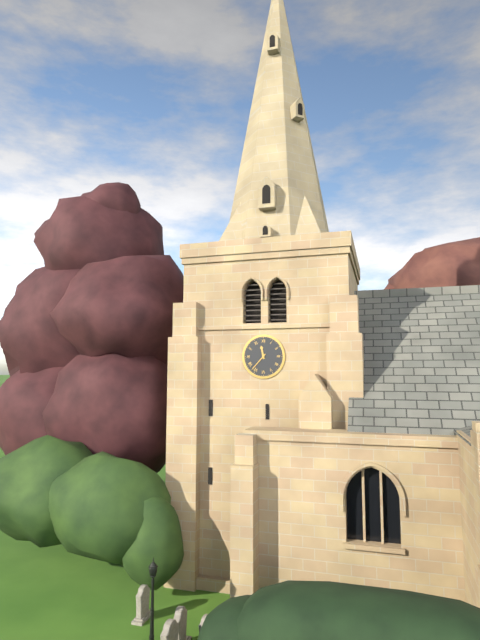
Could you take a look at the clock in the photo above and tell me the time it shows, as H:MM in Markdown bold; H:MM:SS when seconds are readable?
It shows **11:37**
